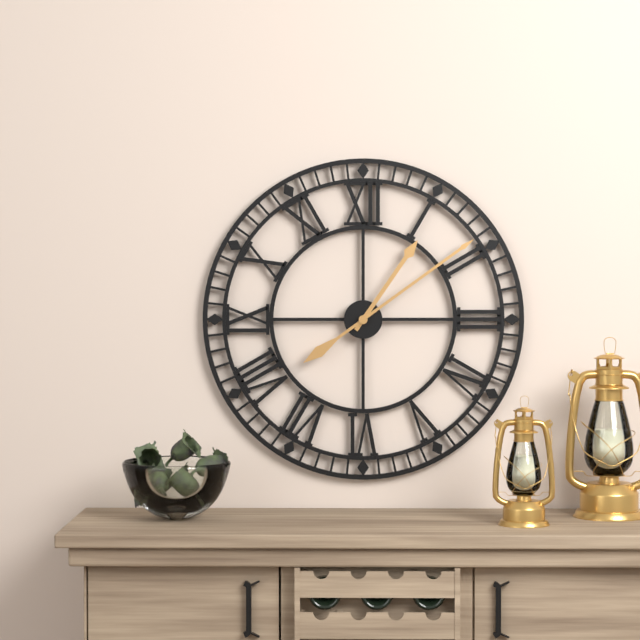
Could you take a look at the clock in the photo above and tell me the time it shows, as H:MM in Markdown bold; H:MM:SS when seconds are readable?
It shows **1:09**
